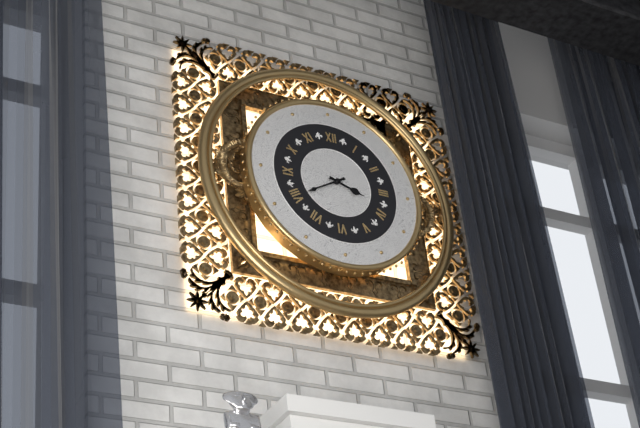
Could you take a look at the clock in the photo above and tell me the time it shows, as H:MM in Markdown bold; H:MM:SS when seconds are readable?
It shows **3:40**
